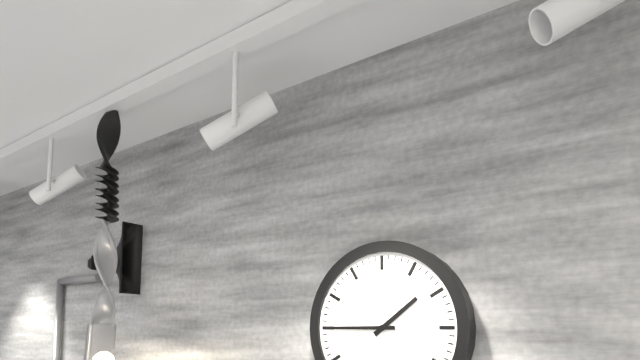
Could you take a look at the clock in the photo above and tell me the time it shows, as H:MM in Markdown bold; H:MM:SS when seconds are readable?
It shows **1:45**
